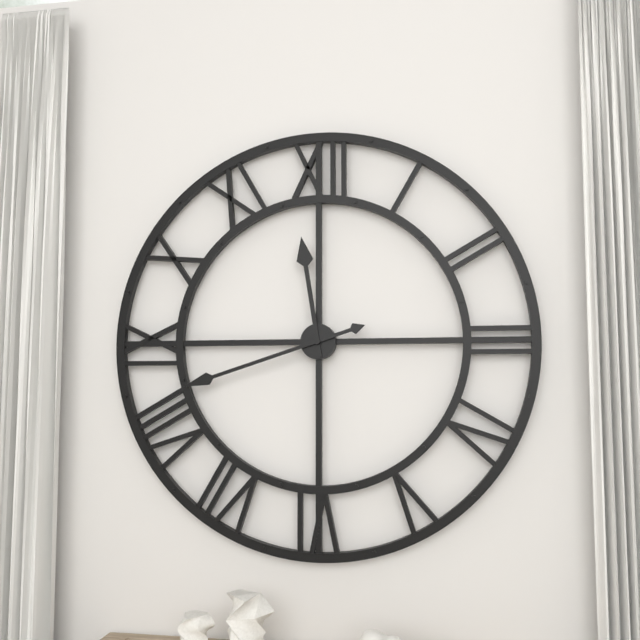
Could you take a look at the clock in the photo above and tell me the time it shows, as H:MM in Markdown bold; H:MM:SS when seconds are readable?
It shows **11:42**
